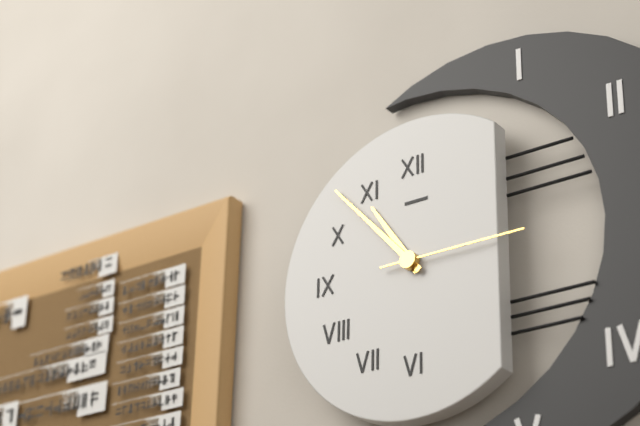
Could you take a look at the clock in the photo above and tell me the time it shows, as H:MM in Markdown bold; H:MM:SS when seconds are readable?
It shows **10:53:15**
